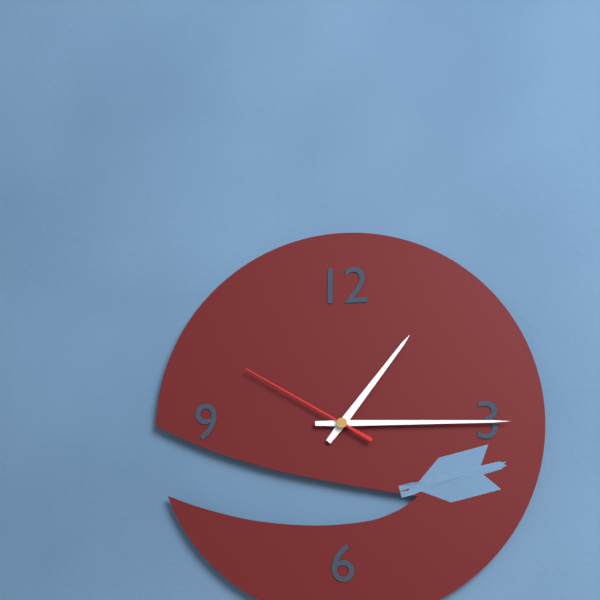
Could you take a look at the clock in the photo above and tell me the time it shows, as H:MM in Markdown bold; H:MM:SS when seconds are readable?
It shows **1:15:50**
